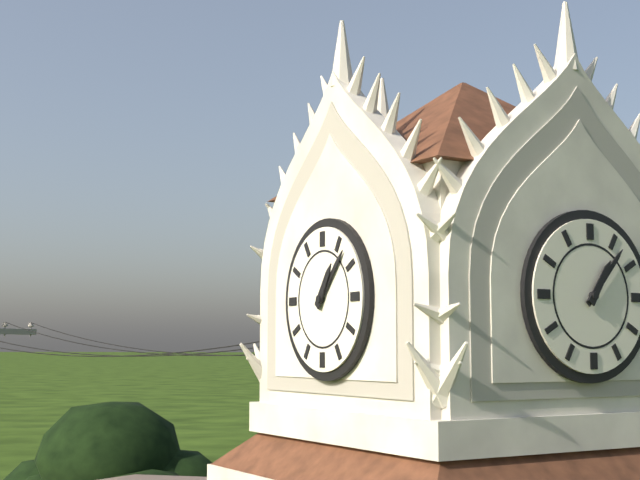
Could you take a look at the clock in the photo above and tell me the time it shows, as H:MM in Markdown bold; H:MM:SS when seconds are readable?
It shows **1:07**
